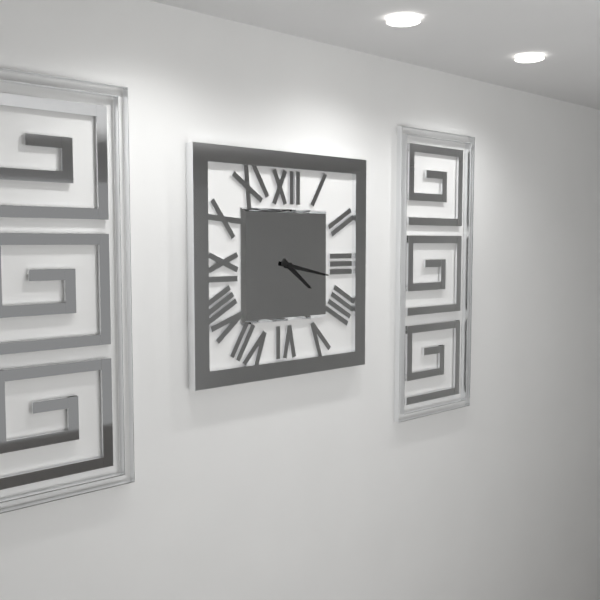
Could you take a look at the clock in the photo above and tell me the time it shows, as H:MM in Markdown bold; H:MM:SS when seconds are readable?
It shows **4:17**
